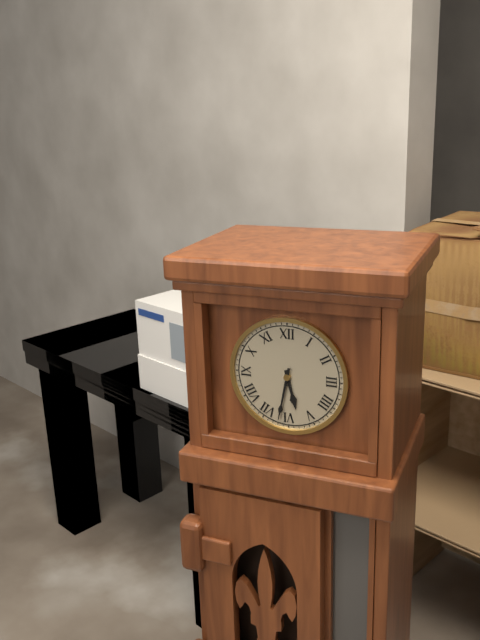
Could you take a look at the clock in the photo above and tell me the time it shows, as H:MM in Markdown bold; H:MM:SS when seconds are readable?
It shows **5:32**
